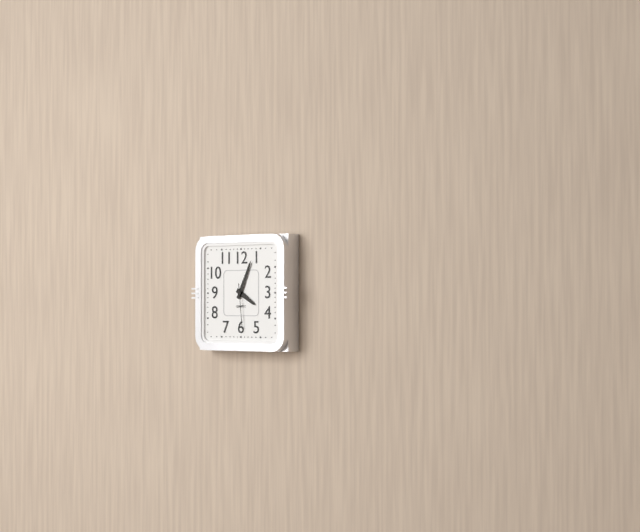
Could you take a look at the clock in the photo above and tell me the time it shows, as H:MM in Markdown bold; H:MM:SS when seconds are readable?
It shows **4:04**
